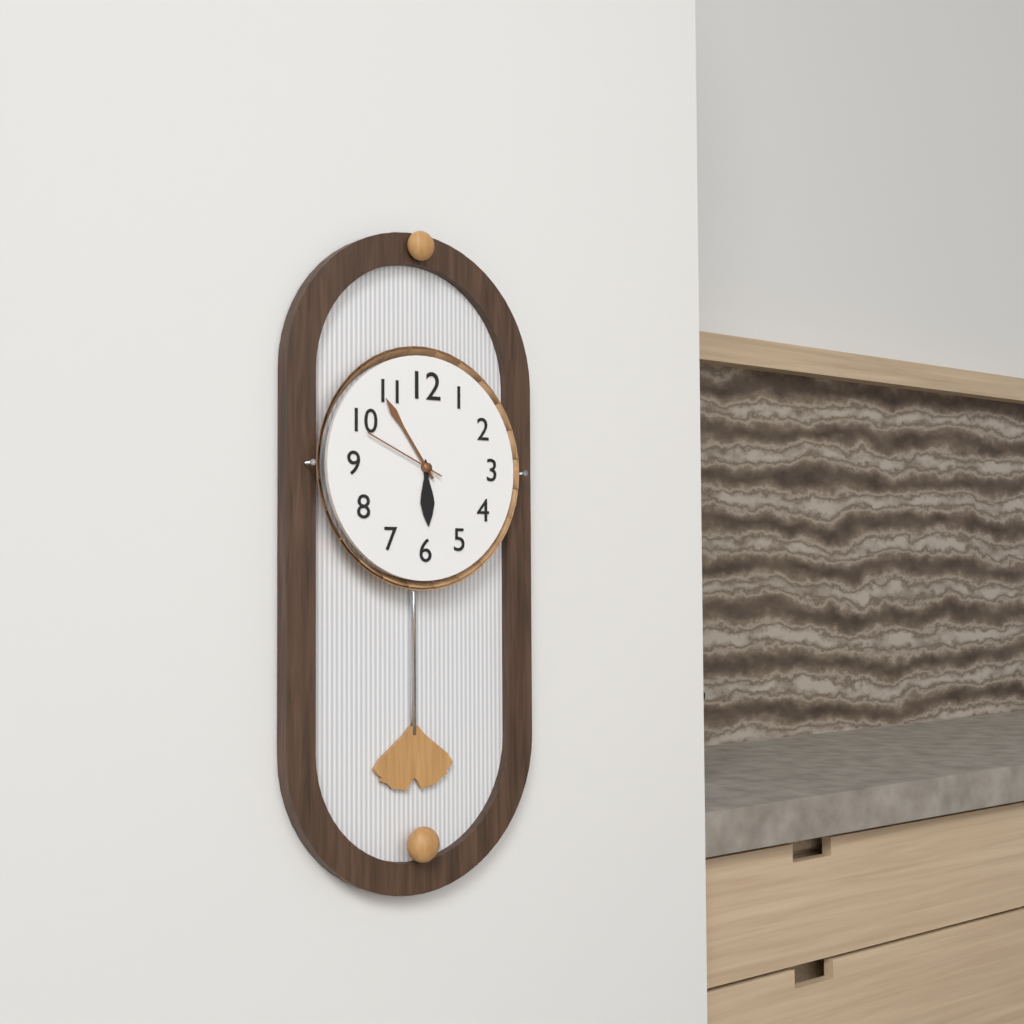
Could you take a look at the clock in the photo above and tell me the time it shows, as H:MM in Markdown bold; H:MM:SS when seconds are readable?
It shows **5:54:49**
